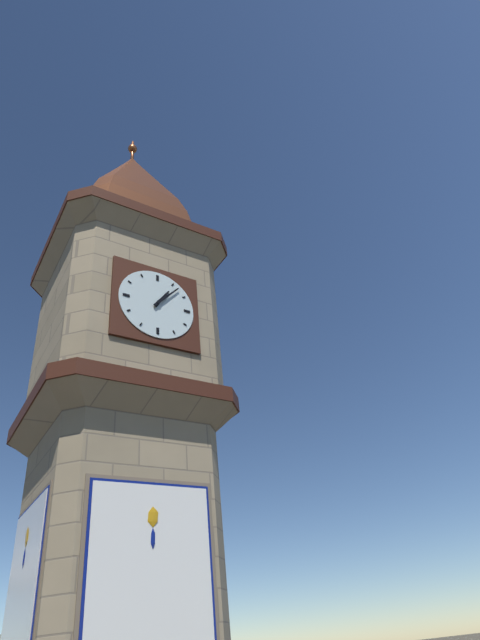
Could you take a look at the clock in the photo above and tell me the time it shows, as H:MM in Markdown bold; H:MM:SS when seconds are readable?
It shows **1:07**
